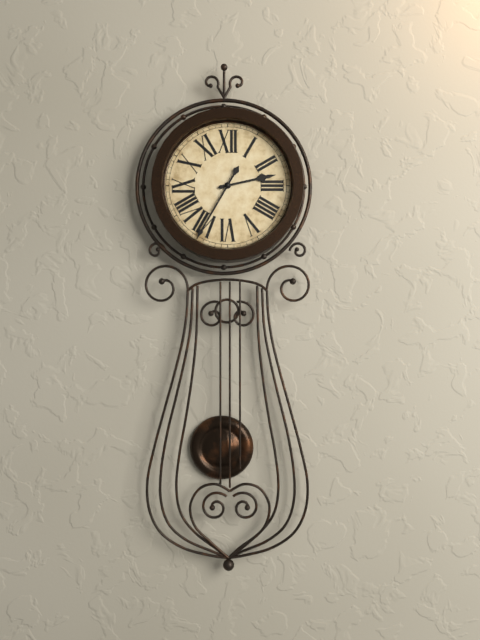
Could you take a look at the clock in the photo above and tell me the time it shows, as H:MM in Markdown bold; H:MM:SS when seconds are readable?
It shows **2:35**
